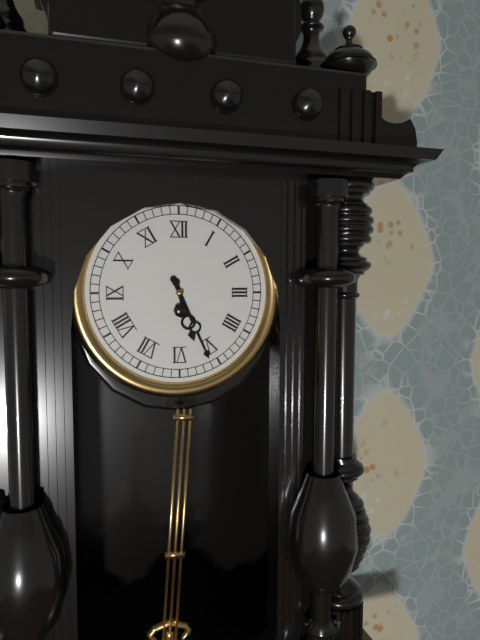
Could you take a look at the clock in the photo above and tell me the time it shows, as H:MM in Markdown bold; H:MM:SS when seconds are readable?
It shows **5:26**
